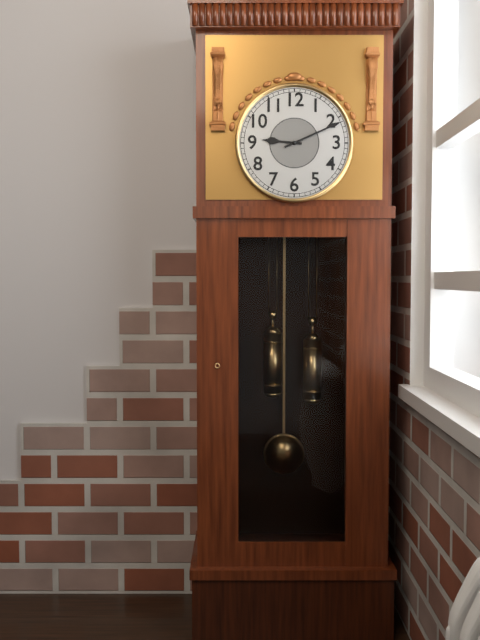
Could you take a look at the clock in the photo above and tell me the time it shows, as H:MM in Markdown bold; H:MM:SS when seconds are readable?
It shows **9:11**
